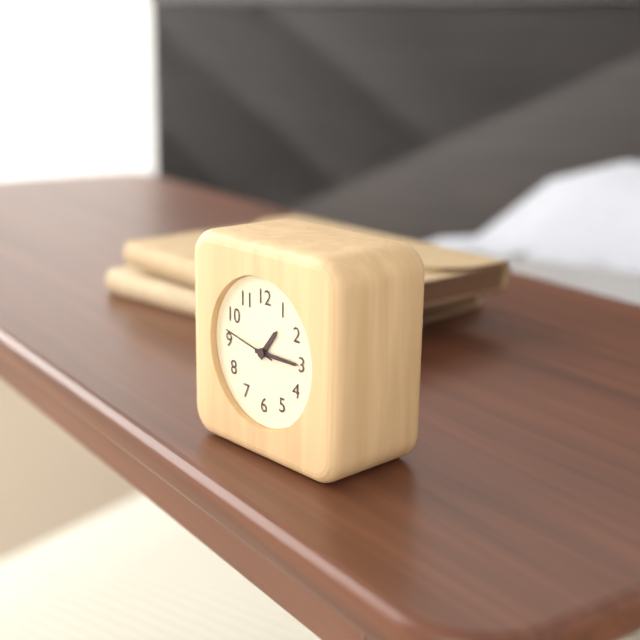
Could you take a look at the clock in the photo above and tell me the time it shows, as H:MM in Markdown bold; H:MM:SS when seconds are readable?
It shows **1:15:47**
